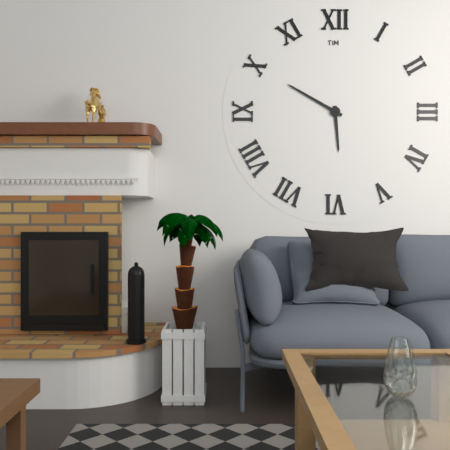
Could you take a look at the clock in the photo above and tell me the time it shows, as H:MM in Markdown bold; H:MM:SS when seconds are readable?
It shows **5:50**
